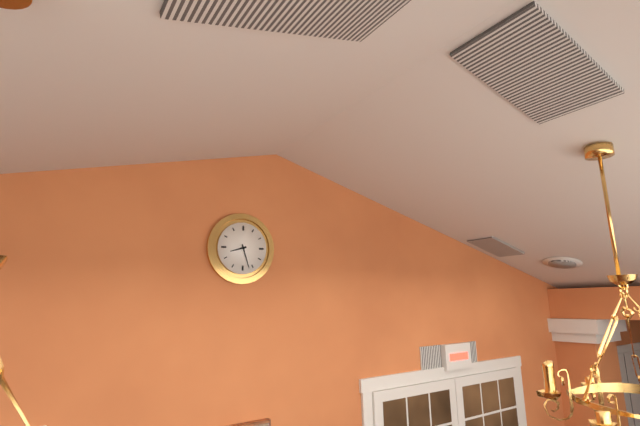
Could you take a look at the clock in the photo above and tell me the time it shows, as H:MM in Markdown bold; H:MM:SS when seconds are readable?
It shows **8:27**
